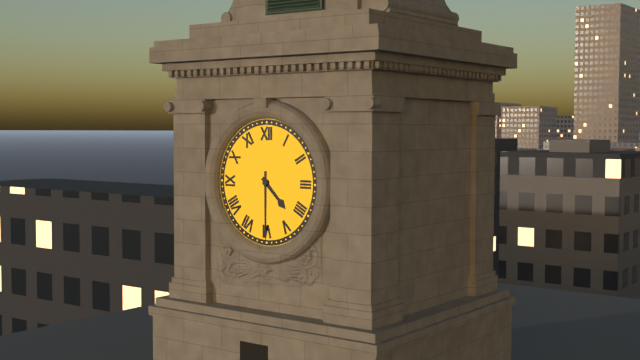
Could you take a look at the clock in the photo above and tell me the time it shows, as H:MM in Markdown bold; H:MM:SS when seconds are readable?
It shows **4:30**
